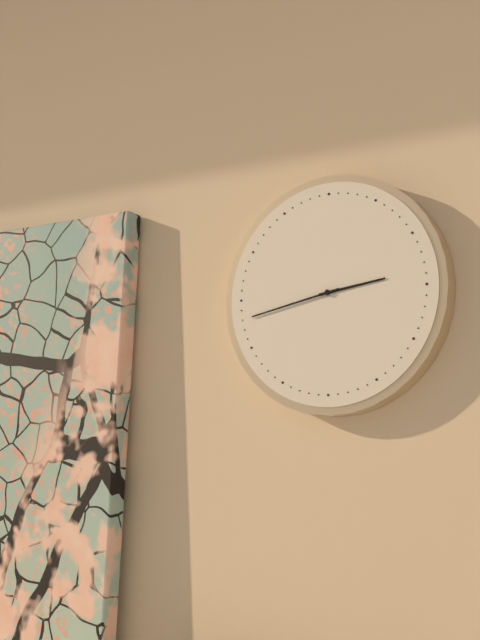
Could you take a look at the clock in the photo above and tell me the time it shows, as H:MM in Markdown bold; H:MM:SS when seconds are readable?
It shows **2:43**
